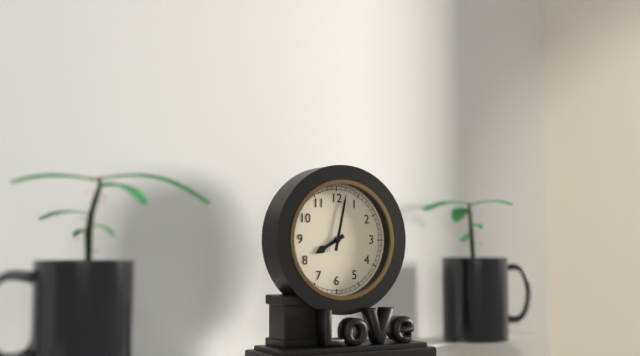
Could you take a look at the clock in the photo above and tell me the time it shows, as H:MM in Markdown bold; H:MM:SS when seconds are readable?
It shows **8:02**
